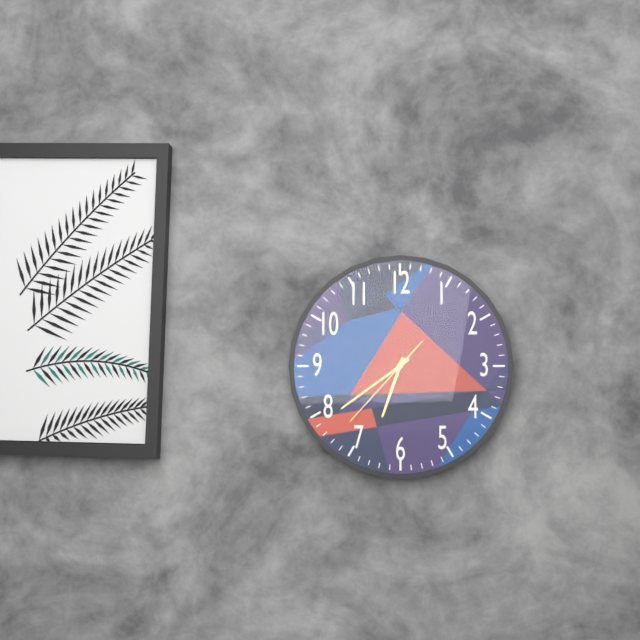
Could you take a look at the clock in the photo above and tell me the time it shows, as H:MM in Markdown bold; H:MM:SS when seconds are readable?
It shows **6:39:37**
